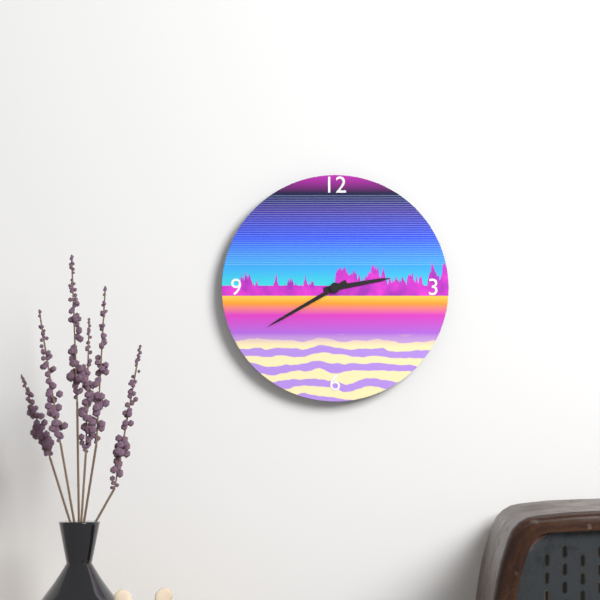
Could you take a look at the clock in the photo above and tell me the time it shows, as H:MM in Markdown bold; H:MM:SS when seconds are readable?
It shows **2:40**
